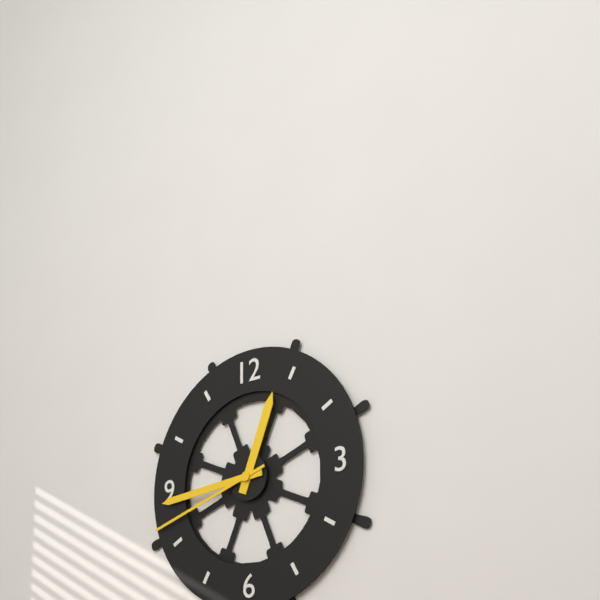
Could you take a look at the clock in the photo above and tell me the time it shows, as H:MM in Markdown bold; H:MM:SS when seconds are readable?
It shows **12:44:42**
